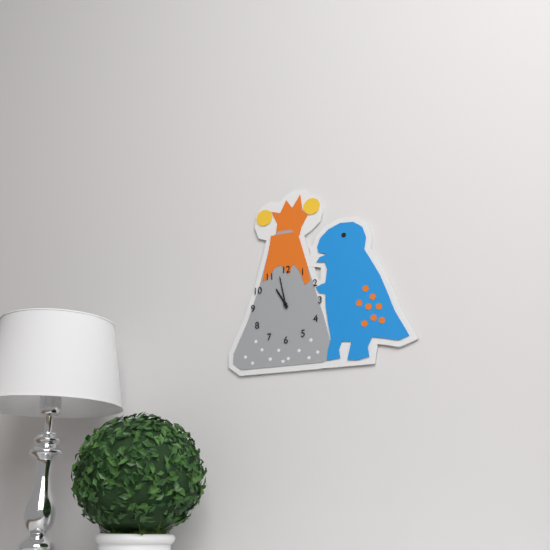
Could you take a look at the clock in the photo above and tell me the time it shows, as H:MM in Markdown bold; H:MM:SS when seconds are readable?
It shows **10:58**
